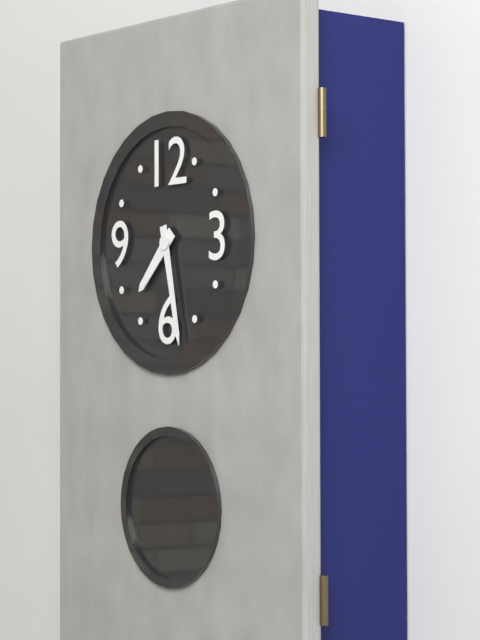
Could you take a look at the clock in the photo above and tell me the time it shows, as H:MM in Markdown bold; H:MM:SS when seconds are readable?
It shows **7:28**
